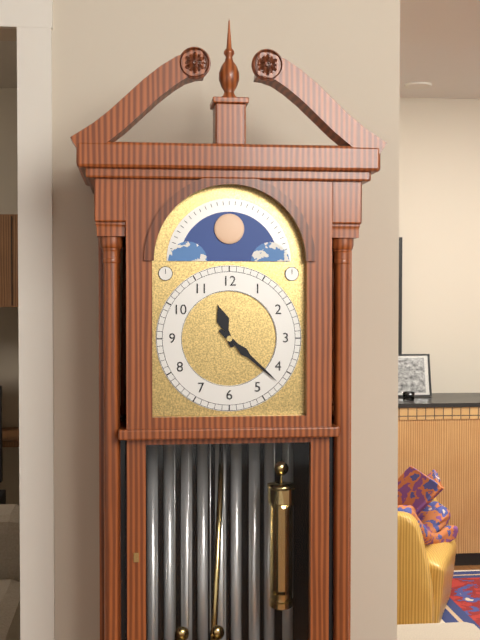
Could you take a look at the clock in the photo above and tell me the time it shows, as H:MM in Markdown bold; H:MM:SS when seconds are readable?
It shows **11:22**
